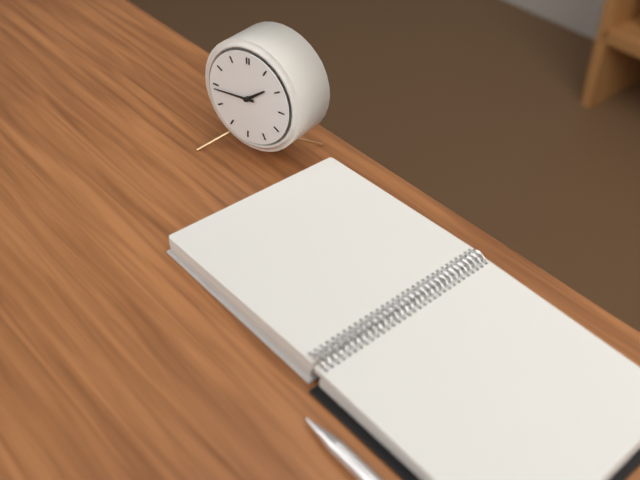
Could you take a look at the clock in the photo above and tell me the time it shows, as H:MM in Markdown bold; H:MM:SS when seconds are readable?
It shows **1:44**
